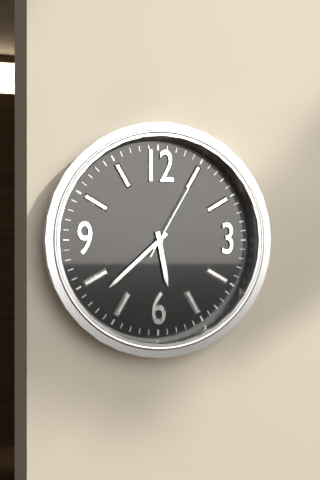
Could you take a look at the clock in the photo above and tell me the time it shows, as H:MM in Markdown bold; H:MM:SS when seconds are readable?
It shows **5:38:05**
